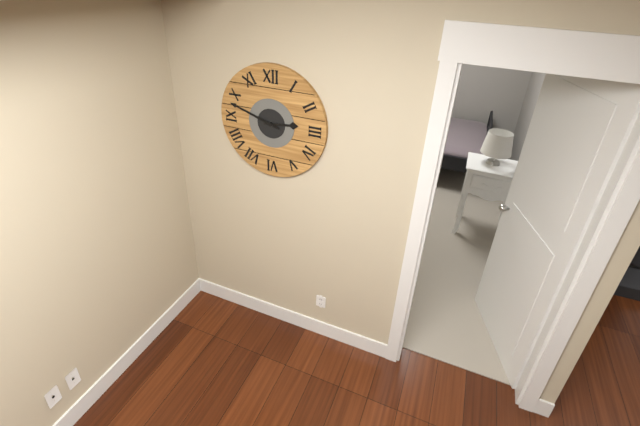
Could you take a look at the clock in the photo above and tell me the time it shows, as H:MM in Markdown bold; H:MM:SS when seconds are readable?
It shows **2:48**
